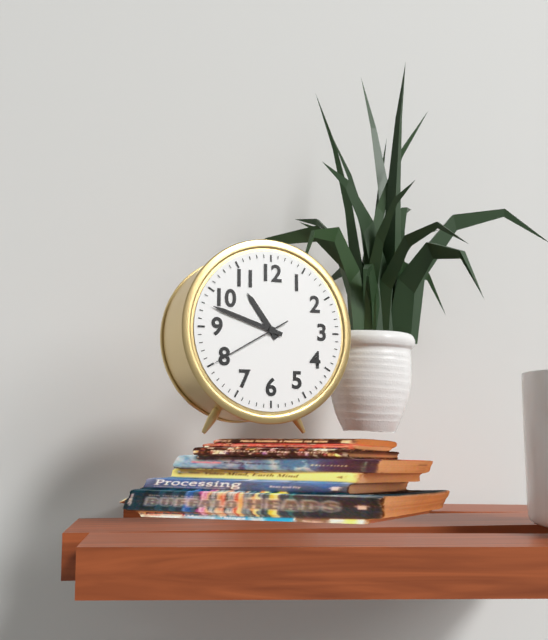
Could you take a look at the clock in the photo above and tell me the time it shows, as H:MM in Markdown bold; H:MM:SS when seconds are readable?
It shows **10:48:40**
